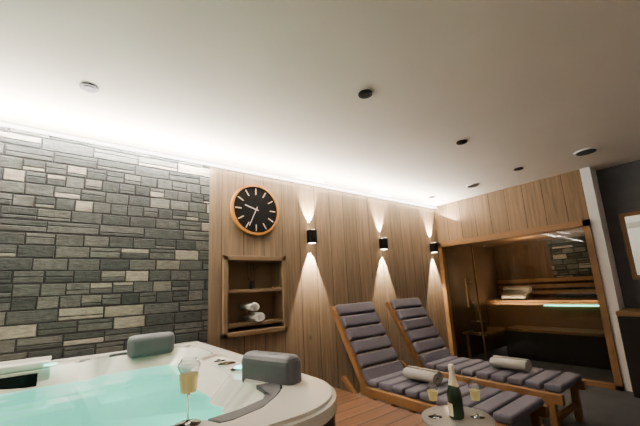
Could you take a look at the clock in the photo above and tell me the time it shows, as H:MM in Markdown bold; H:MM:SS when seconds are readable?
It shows **9:34**
